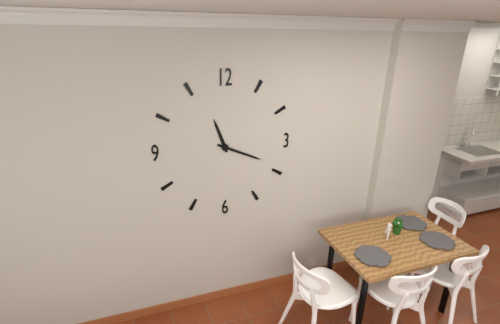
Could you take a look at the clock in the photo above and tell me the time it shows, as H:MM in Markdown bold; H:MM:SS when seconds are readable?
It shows **11:19**
